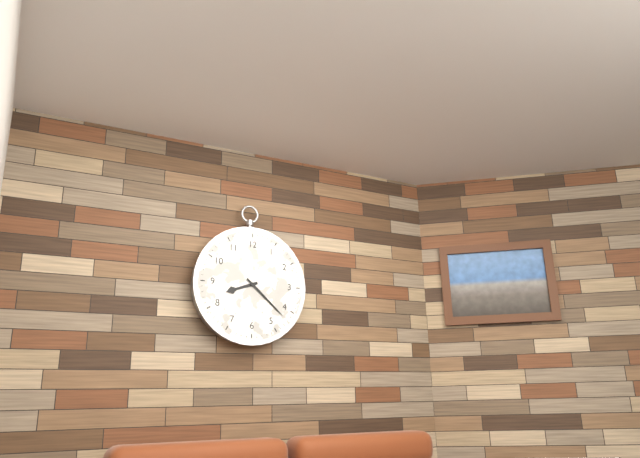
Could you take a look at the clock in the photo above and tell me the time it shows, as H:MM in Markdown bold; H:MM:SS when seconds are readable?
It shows **8:22**
